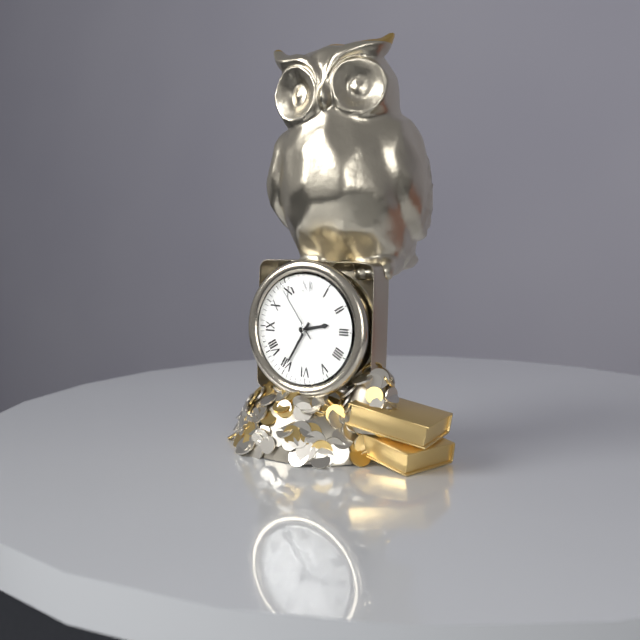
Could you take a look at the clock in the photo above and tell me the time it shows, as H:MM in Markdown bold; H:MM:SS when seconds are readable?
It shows **2:35:54**
